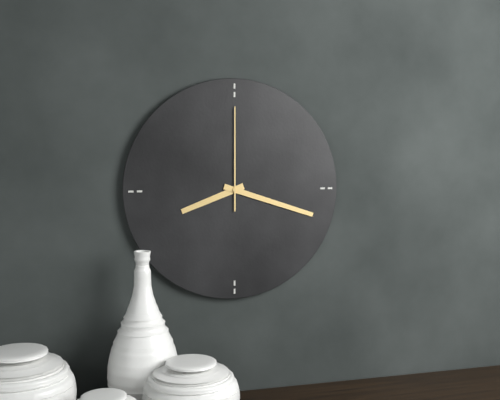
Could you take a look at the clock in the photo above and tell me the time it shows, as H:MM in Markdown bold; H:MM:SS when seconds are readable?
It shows **8:18:00**
